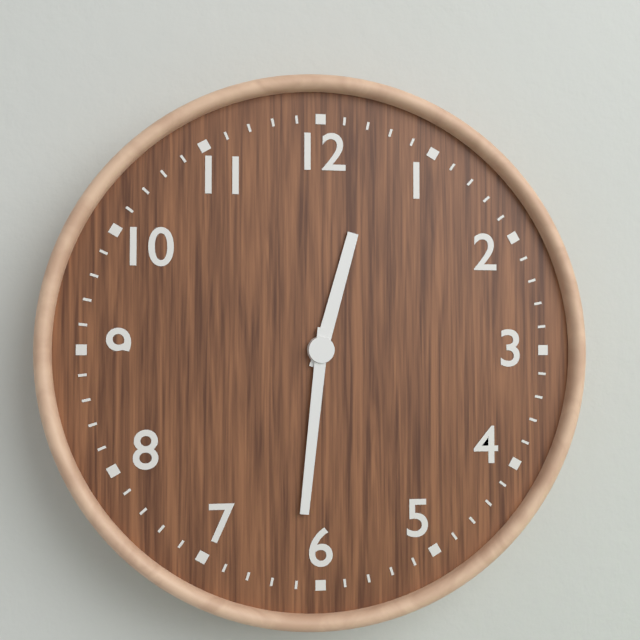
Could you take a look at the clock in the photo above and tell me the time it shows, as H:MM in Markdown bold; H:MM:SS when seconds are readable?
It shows **12:31**
